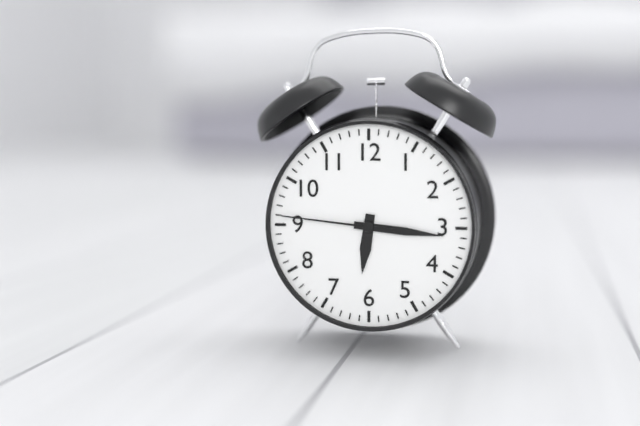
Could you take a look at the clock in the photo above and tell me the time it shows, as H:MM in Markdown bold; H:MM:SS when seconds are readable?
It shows **6:16:46**
